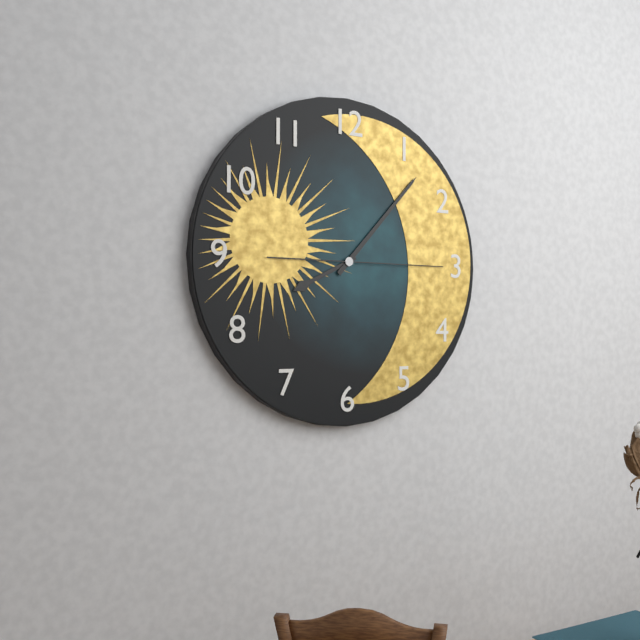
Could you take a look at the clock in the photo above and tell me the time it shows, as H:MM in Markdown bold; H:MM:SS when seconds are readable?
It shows **8:07:15**
